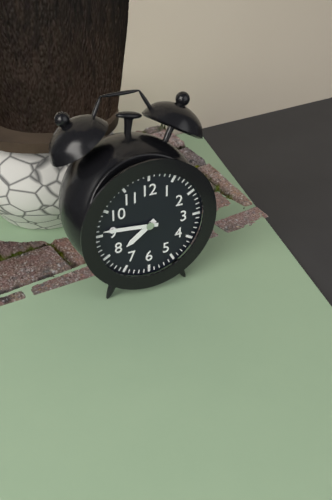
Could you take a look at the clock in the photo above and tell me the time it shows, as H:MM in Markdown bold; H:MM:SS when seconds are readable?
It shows **7:46**
